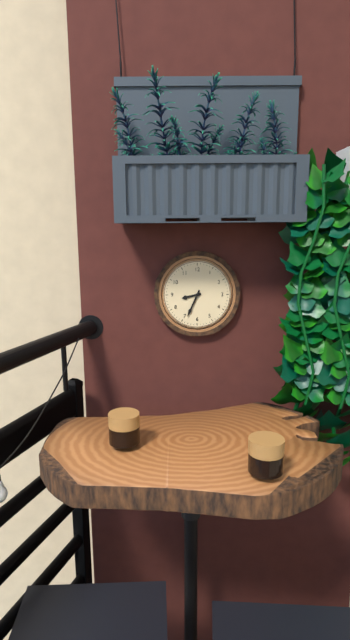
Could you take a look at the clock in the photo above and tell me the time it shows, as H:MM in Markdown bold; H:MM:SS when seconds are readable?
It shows **8:34**
